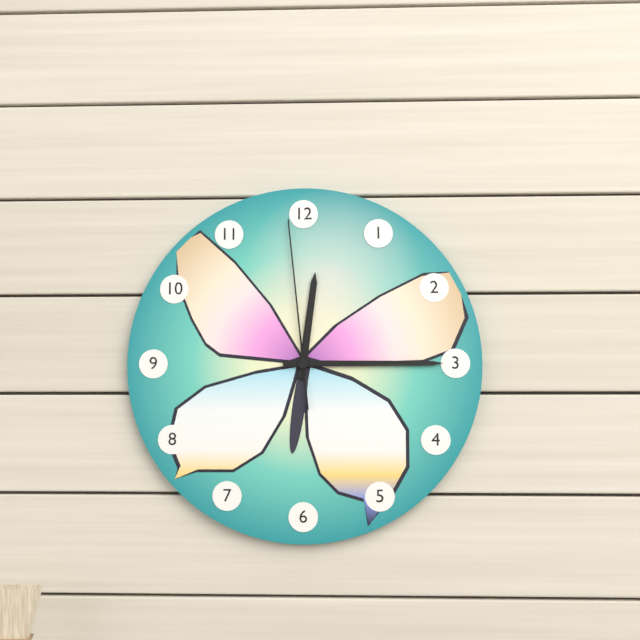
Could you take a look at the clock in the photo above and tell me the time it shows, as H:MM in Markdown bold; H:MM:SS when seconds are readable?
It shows **12:15:59**
